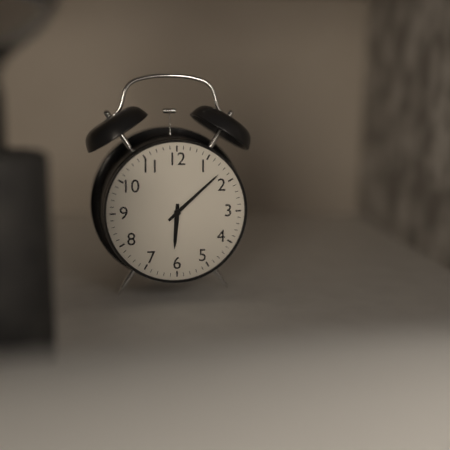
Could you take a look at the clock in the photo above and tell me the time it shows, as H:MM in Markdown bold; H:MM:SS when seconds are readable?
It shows **6:08**
